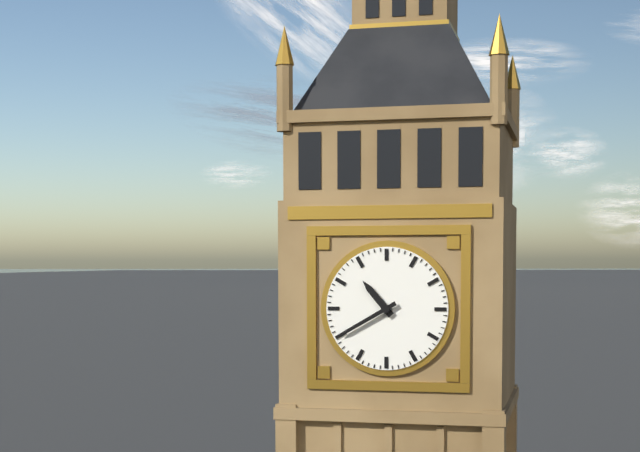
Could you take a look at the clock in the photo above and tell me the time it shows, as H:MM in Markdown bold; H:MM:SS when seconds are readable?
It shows **10:40**
